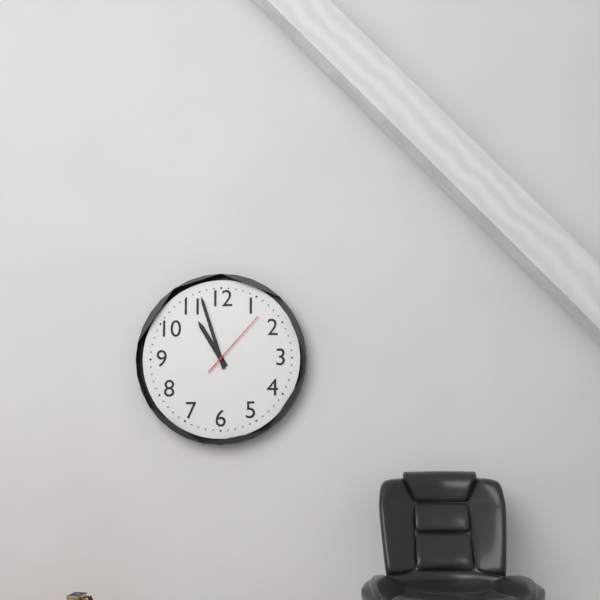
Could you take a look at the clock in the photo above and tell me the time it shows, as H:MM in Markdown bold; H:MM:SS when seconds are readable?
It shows **10:57:07**
